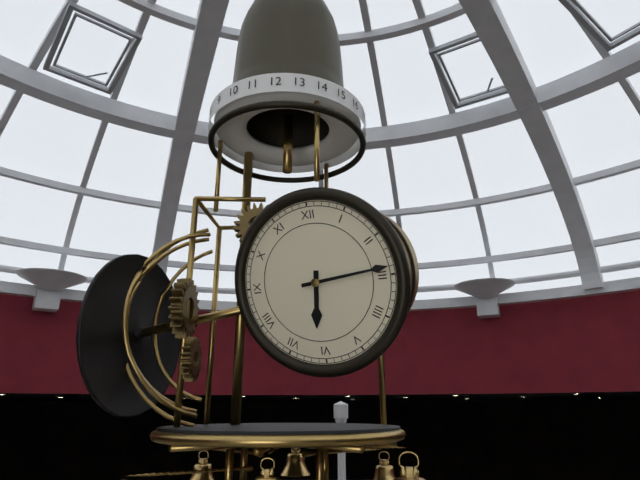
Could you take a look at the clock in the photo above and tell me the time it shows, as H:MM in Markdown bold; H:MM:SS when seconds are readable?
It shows **6:14**
